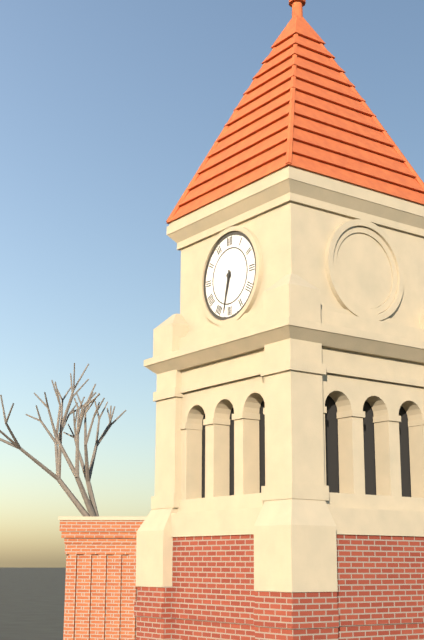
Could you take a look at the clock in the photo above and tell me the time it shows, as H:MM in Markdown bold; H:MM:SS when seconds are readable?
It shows **6:32**
